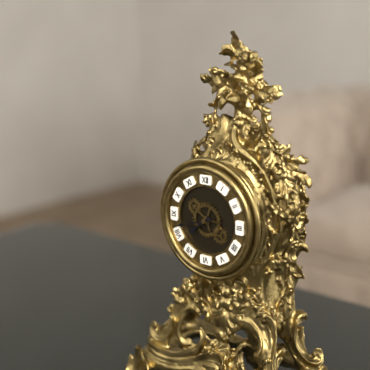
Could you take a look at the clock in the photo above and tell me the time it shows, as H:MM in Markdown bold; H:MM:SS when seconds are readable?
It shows **7:42**
